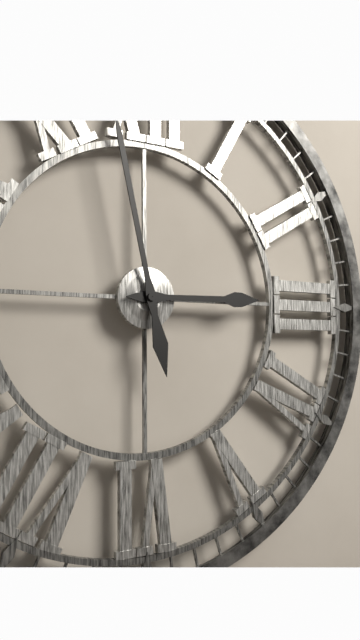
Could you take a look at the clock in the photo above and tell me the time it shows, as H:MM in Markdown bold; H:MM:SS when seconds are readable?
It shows **2:58**
